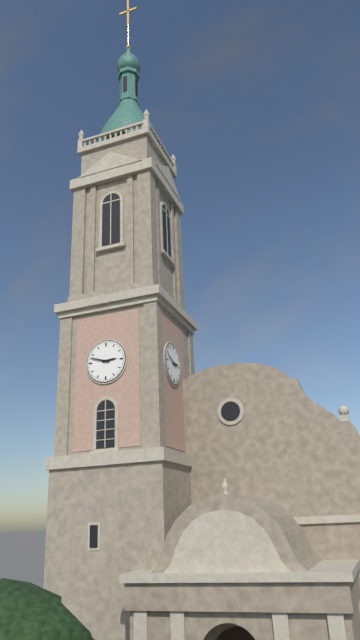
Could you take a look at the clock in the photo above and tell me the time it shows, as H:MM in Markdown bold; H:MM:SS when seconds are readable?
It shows **2:48**
